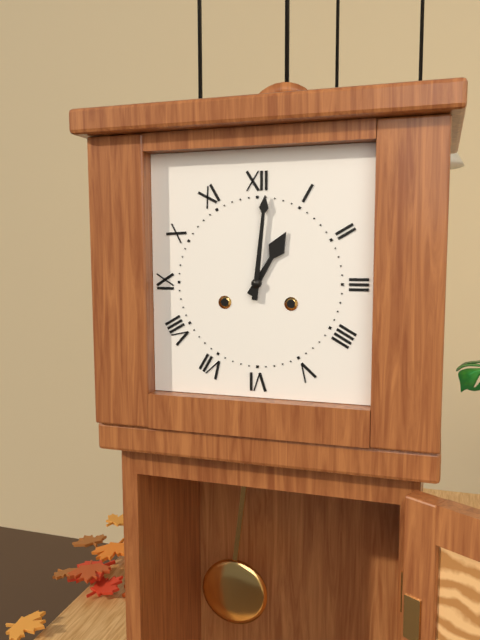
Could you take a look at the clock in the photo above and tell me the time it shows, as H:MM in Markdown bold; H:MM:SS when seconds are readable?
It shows **1:01**
